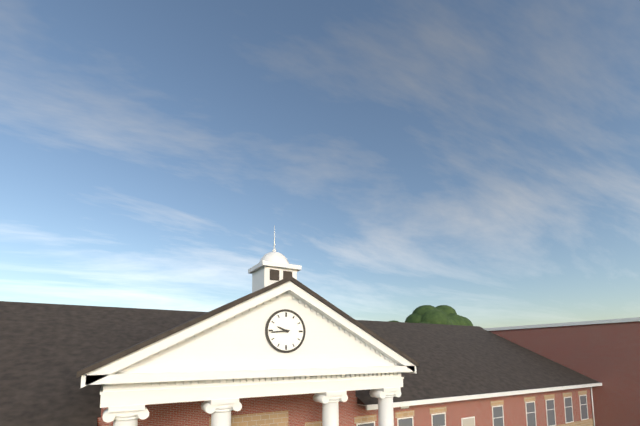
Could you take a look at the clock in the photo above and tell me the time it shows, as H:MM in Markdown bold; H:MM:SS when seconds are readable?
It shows **9:44**
